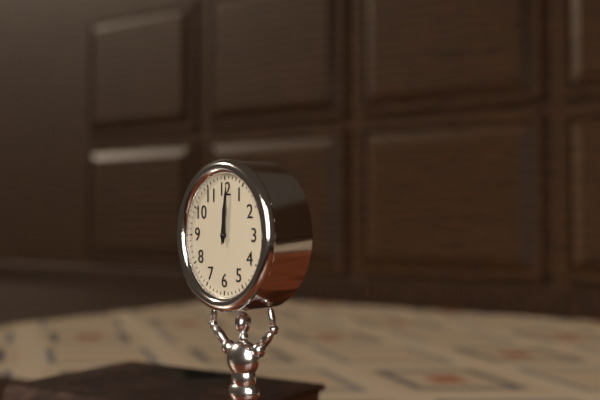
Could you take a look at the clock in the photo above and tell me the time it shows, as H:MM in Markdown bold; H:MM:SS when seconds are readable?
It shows **12:01**
